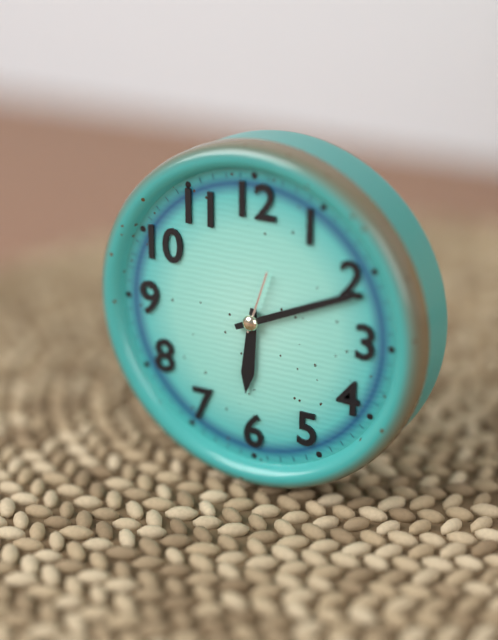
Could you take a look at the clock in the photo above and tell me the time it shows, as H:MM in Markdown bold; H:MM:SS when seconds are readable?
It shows **6:11:03**
